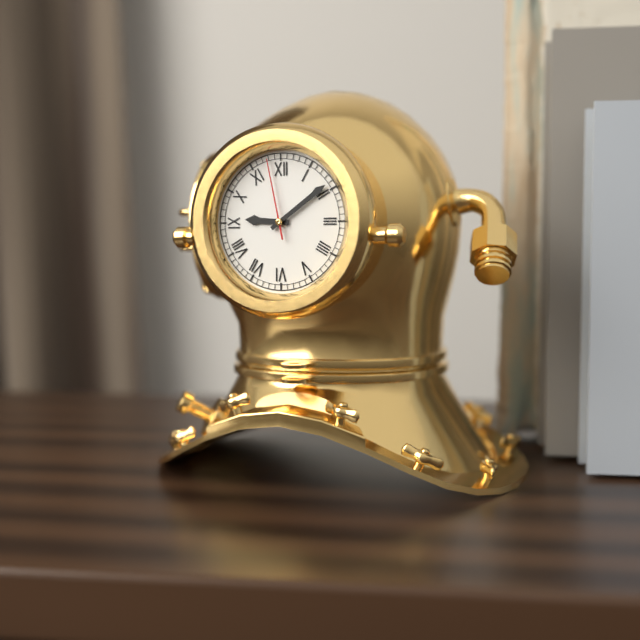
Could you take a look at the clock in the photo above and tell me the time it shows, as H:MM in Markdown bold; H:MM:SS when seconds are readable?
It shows **9:09:58**
